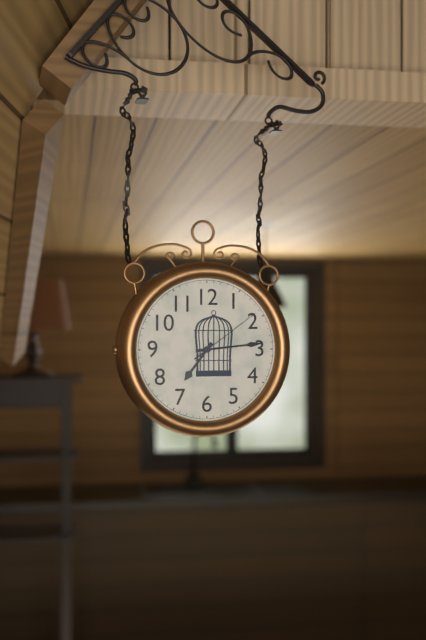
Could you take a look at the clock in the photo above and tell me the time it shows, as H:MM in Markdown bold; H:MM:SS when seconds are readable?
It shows **7:14:09**
